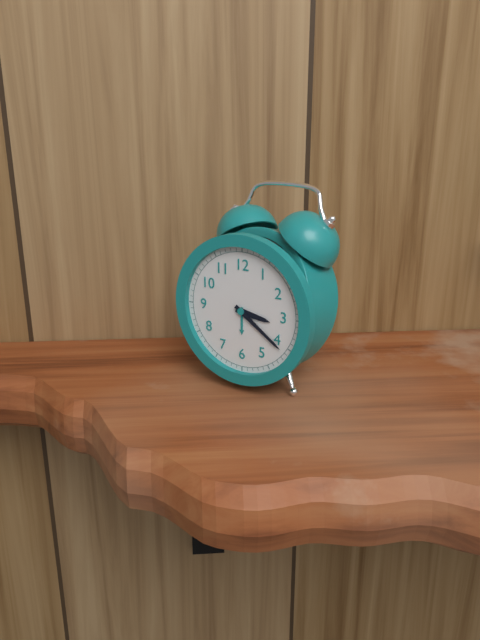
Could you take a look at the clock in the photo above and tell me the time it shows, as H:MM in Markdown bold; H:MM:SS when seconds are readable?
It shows **3:21**
